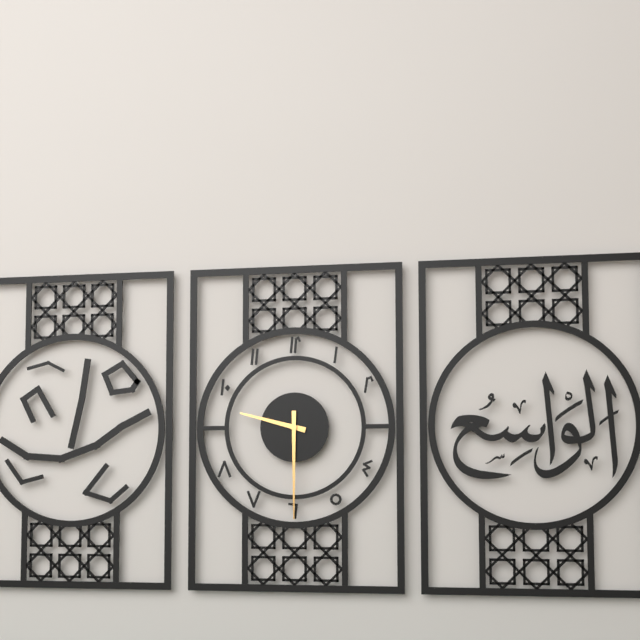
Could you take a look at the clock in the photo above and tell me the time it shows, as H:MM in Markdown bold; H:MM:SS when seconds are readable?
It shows **9:30**
